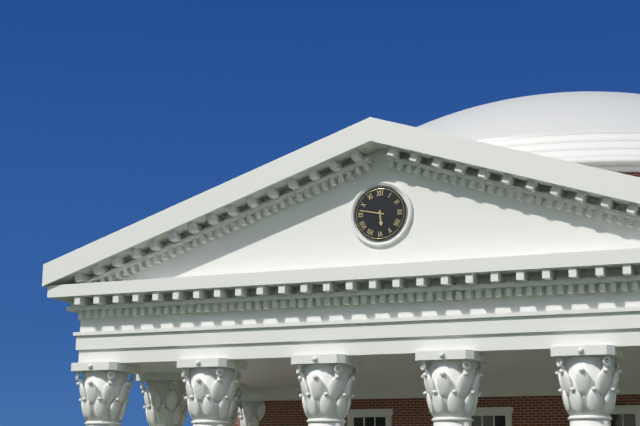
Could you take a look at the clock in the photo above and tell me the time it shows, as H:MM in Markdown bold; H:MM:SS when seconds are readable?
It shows **5:47**
